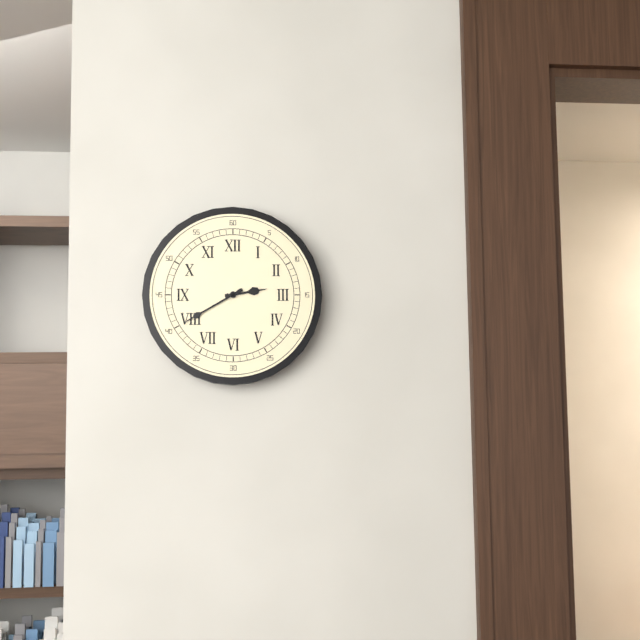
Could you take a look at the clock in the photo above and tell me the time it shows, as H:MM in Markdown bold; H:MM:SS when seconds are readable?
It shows **2:40**
